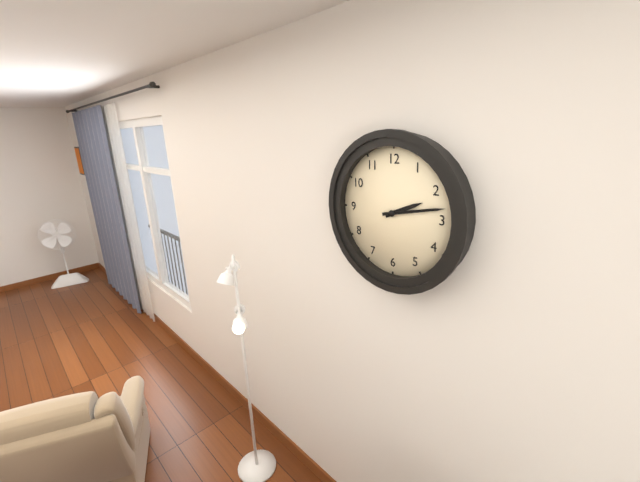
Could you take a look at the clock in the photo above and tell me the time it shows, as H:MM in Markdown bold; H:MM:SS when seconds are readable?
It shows **2:13**
